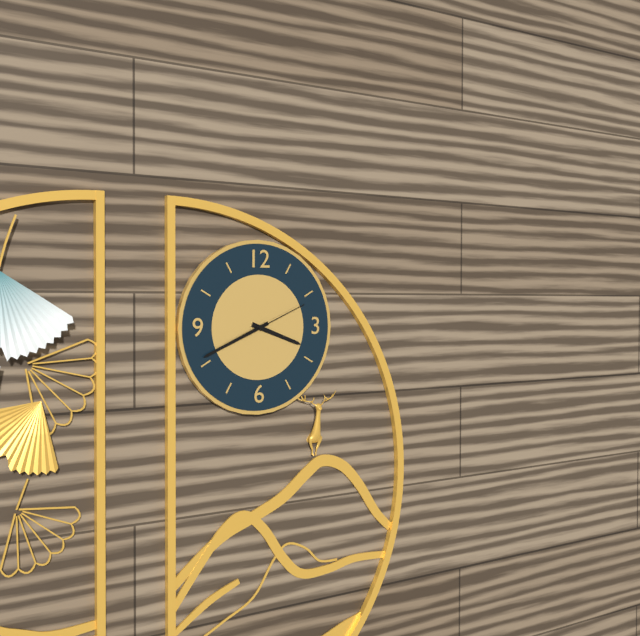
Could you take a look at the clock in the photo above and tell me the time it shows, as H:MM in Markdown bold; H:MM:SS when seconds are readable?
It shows **3:41:11**
